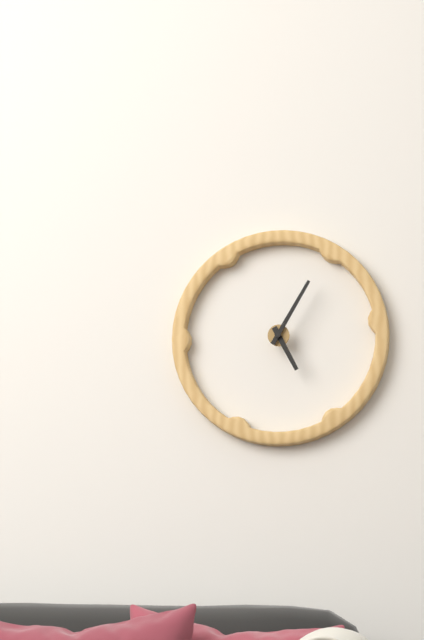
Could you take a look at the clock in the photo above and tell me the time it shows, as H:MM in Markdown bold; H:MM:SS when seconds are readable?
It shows **5:05**
